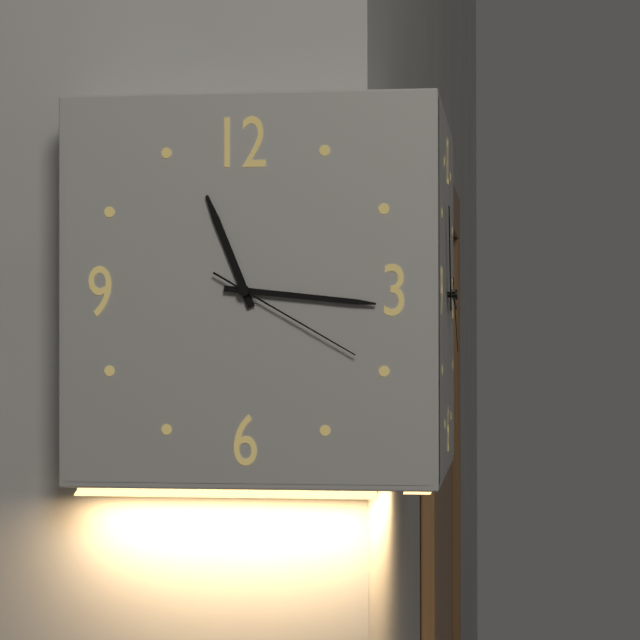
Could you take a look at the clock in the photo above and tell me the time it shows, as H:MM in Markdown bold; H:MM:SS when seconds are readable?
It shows **11:16:20**
